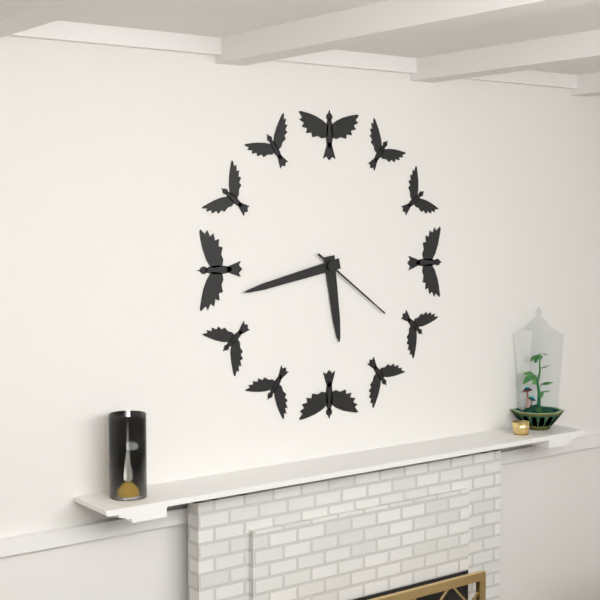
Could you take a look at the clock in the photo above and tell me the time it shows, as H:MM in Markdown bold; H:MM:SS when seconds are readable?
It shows **5:43:21**
